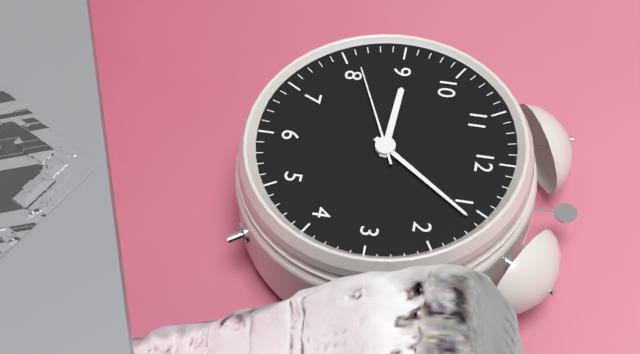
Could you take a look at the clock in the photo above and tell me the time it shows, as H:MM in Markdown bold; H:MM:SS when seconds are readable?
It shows **9:06:41**
